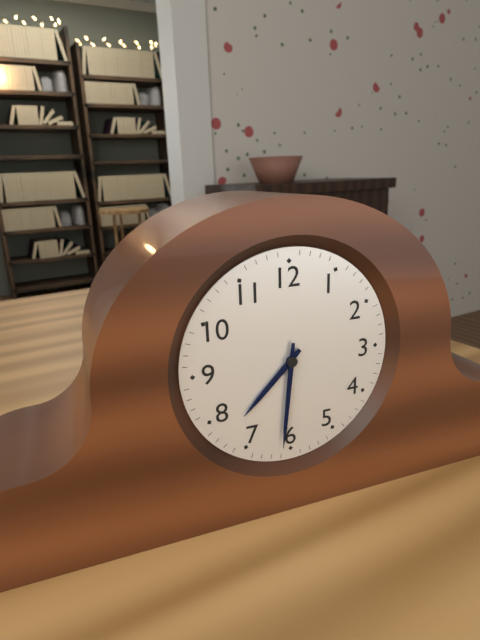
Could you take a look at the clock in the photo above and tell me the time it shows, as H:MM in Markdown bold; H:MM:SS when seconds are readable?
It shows **7:31**
